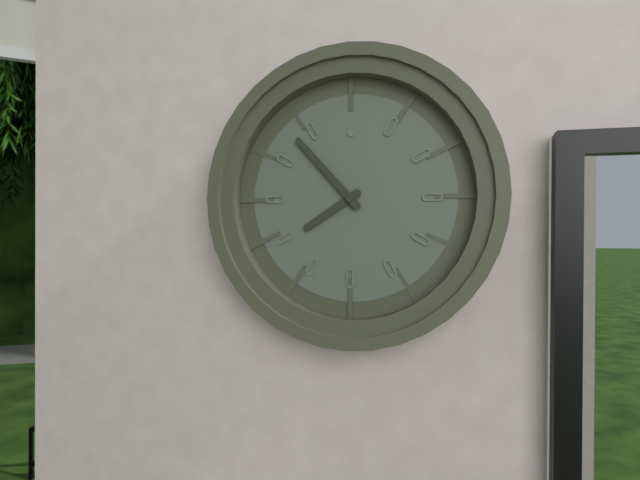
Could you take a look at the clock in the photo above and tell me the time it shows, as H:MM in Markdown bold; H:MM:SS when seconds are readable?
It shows **7:53**
